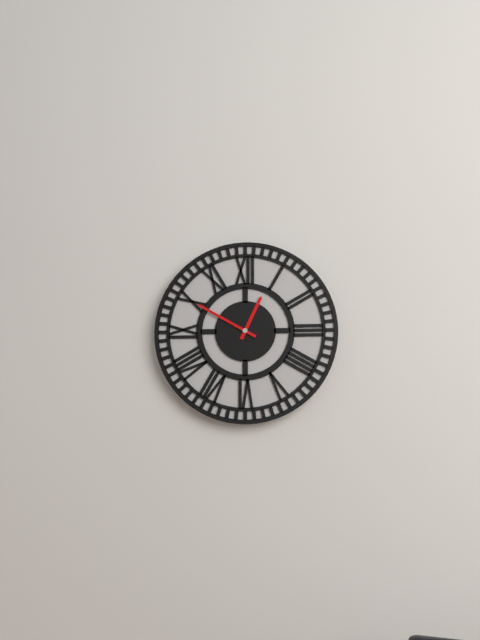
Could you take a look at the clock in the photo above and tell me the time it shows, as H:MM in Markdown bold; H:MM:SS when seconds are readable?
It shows **12:50**
